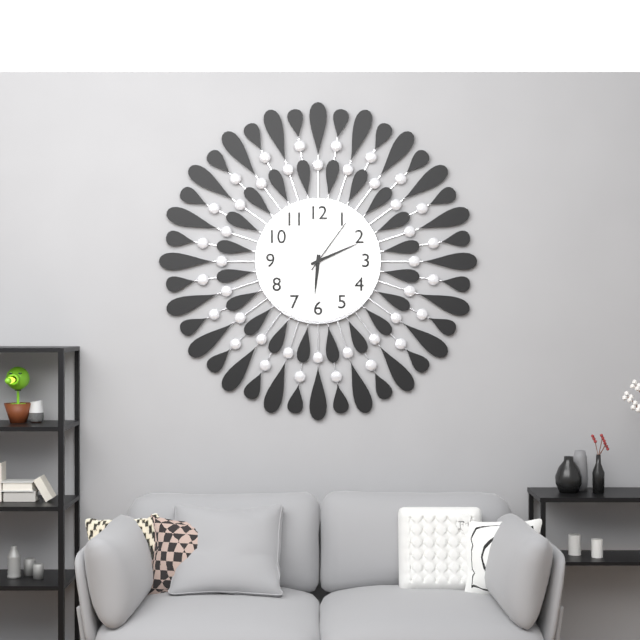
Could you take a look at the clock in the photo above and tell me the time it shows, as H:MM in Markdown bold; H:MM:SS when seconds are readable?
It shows **6:11:06**
